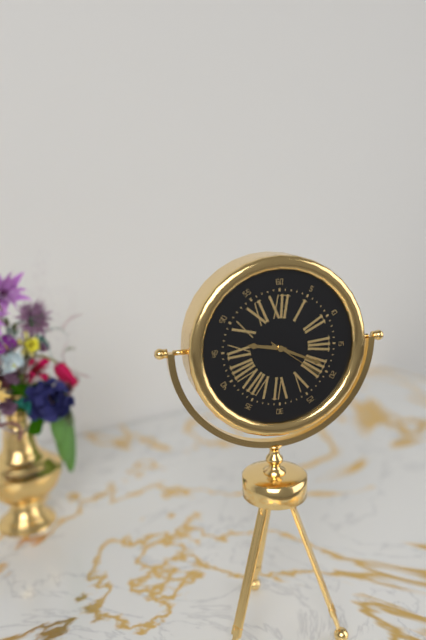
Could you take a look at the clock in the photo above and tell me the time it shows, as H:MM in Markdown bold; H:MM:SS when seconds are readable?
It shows **9:19:21**
